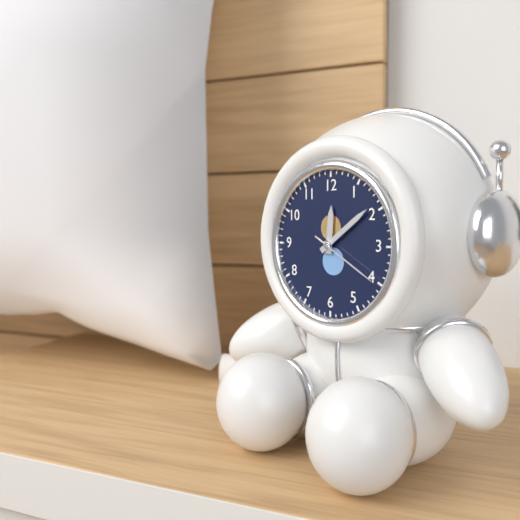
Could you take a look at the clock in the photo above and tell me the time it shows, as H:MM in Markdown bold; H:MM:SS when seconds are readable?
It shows **12:09:20**
